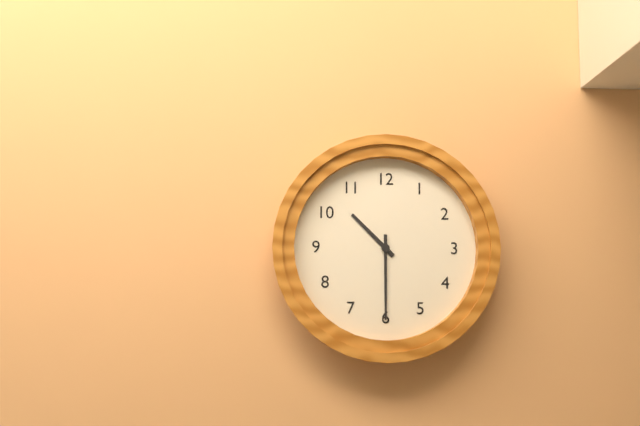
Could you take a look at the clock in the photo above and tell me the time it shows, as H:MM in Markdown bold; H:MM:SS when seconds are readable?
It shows **10:30**
